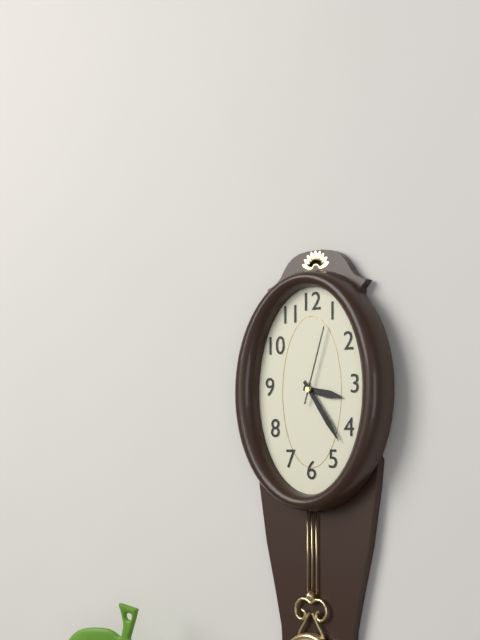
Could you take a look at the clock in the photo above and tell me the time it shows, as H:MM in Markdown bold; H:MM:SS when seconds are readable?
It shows **3:24:03**
